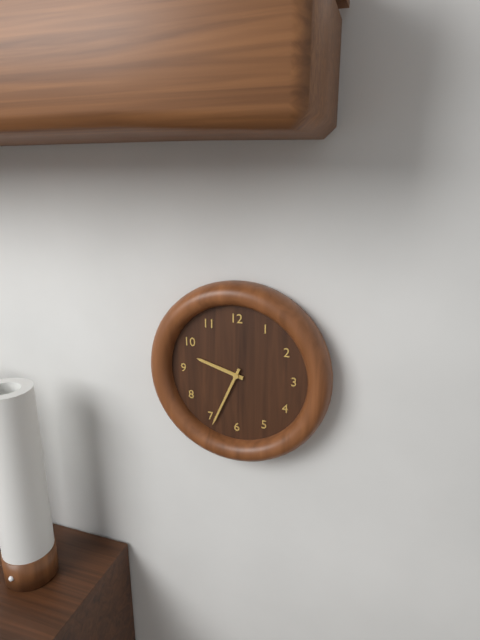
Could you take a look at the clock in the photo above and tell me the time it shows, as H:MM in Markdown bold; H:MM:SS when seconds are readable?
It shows **9:34**
